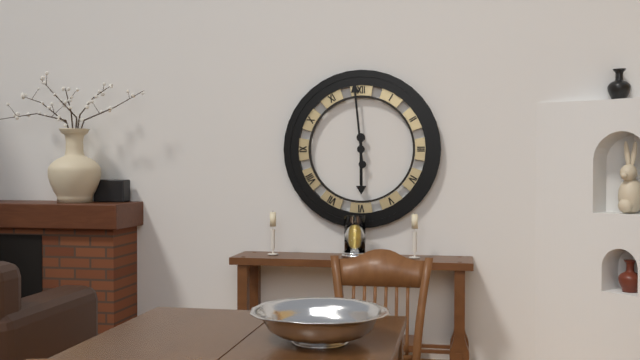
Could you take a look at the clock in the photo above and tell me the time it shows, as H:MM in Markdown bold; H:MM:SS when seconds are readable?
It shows **5:59**
